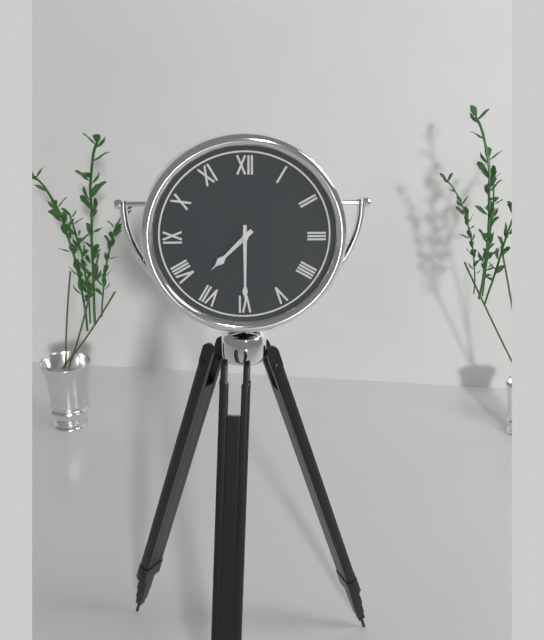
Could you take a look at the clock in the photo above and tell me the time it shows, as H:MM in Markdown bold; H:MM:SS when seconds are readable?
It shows **7:30**
